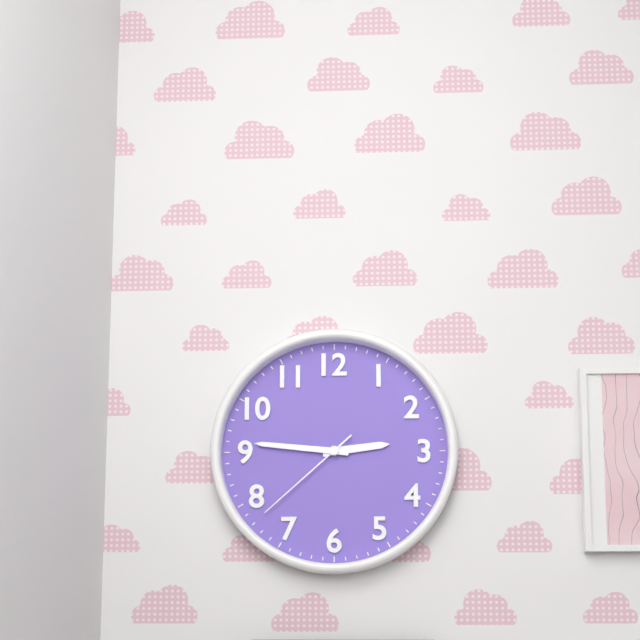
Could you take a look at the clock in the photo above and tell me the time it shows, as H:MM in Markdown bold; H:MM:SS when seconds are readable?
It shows **2:46:38**
